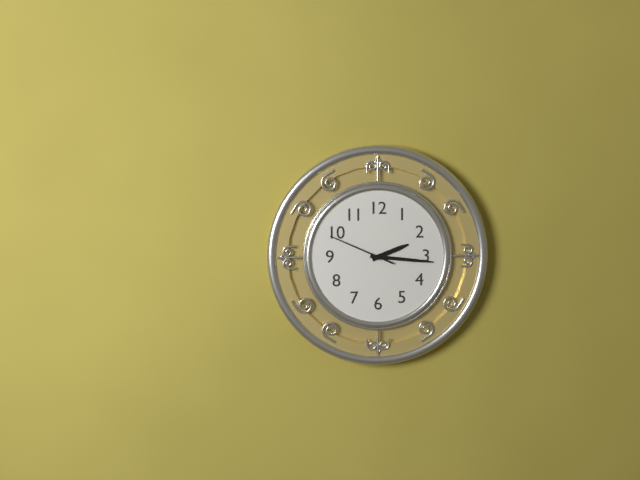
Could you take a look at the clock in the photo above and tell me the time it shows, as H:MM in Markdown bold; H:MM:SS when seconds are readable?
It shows **2:16:49**
